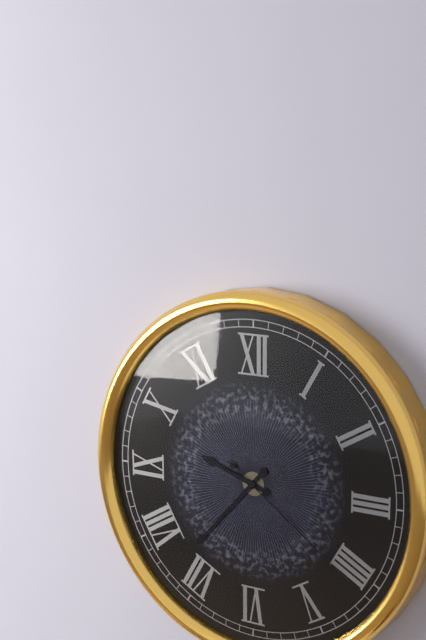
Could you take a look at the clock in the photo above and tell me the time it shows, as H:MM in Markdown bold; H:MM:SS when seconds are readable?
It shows **9:37:21**
